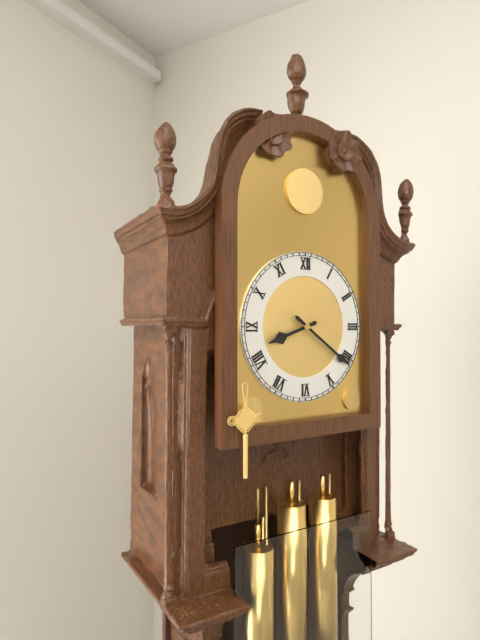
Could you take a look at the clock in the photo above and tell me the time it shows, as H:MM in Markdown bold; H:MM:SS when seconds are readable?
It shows **8:21**
